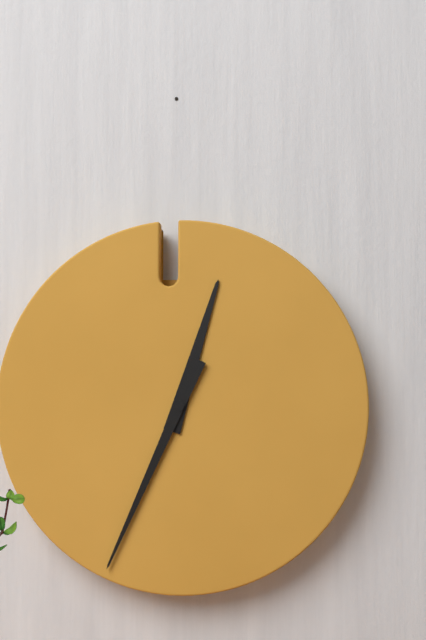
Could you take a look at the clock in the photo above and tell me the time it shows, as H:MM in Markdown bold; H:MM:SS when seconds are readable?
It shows **12:34**
